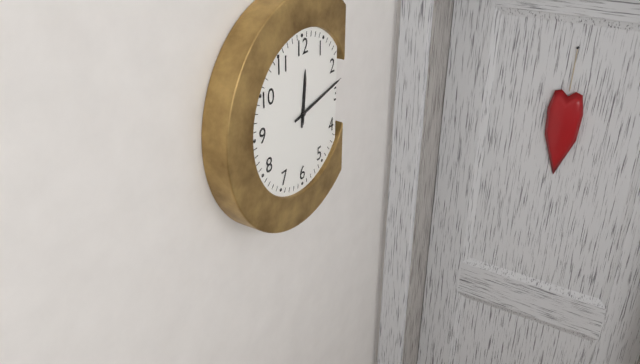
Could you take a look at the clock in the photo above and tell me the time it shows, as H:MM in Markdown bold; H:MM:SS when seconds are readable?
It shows **12:13**
